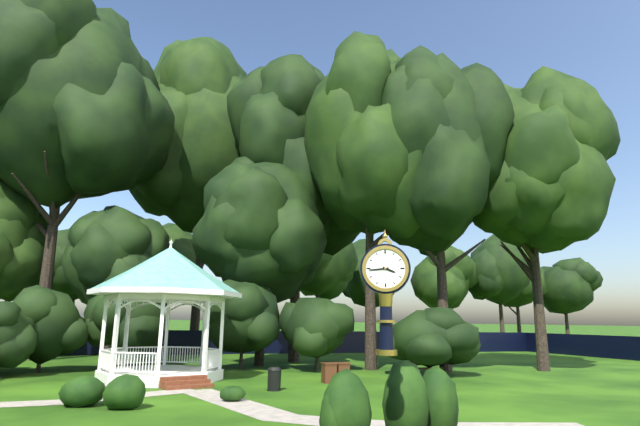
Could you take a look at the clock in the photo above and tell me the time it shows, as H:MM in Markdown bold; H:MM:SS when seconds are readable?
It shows **3:44**
